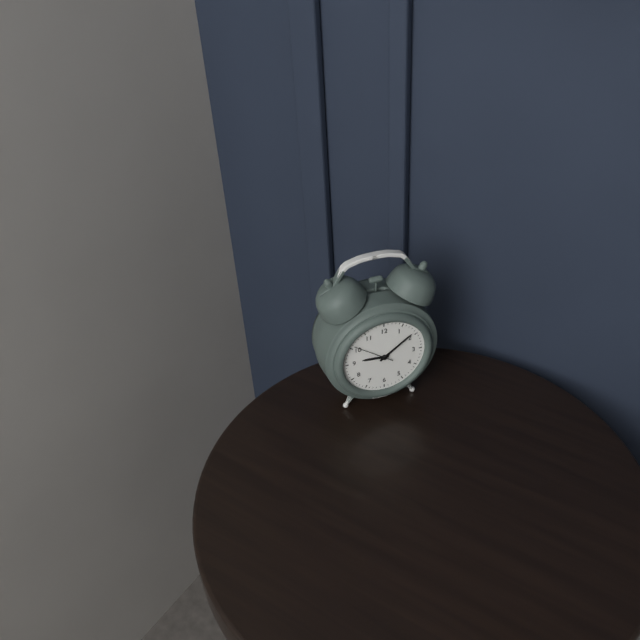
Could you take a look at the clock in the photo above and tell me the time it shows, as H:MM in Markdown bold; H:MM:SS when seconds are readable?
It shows **9:09**
